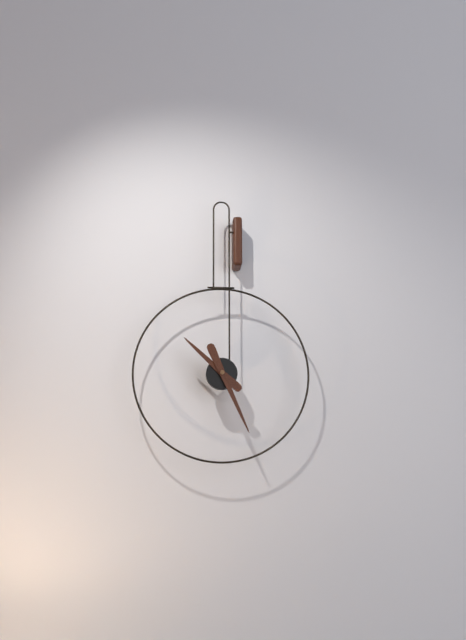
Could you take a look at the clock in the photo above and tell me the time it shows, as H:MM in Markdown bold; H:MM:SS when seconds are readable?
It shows **10:26**
